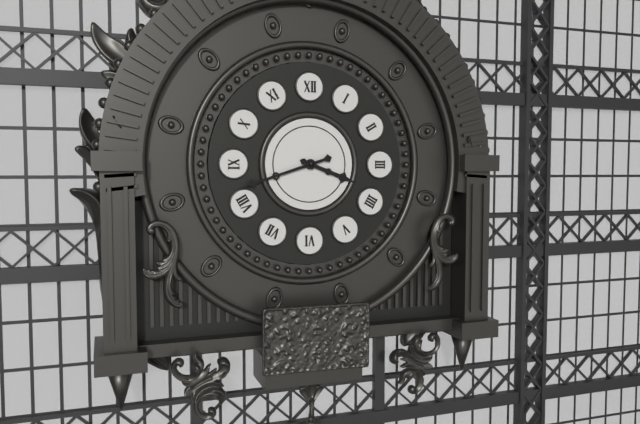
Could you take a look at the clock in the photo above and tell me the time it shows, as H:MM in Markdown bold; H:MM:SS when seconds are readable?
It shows **3:42**
